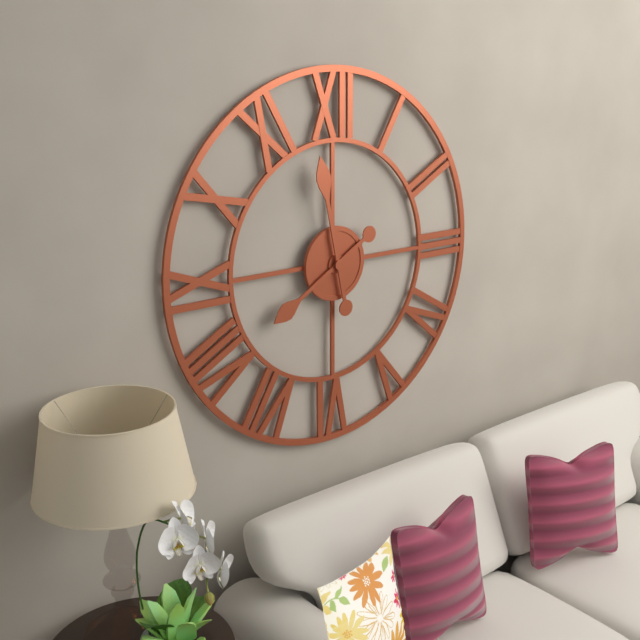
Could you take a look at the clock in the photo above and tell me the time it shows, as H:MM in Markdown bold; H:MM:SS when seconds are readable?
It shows **7:58**
